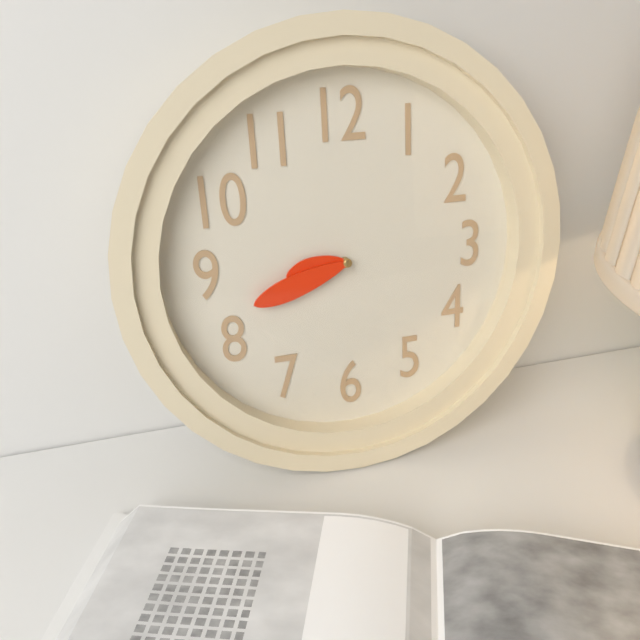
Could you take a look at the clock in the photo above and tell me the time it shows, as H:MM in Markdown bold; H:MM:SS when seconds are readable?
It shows **8:42**
